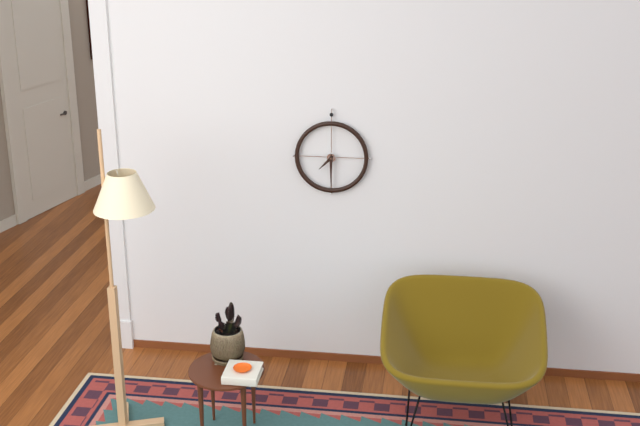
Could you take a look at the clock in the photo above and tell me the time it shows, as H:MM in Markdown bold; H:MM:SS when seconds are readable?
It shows **7:30**
